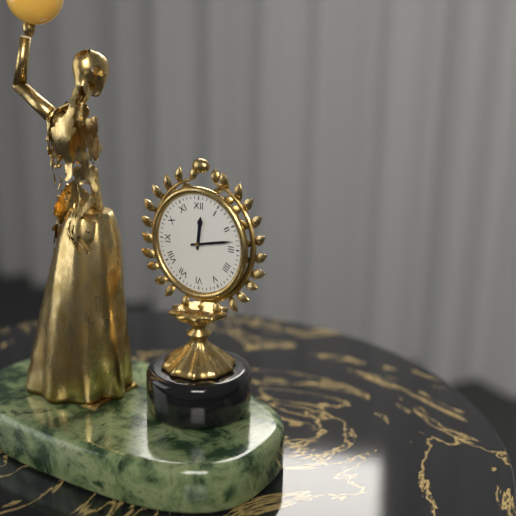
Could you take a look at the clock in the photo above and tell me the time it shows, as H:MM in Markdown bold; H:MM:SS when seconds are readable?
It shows **12:13**
